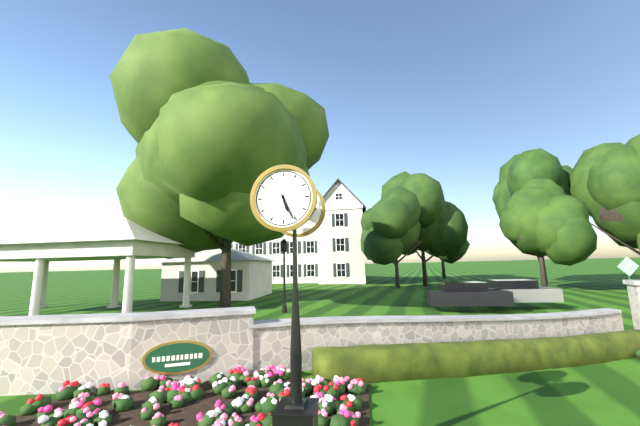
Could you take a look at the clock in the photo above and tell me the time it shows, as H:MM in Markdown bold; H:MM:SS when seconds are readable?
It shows **5:26**
